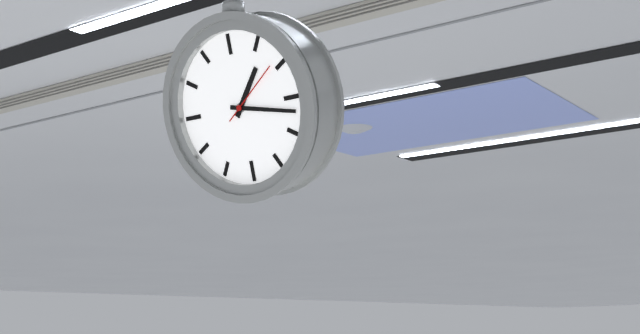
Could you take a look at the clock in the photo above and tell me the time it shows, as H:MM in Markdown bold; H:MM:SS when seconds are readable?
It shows **1:17:09**
